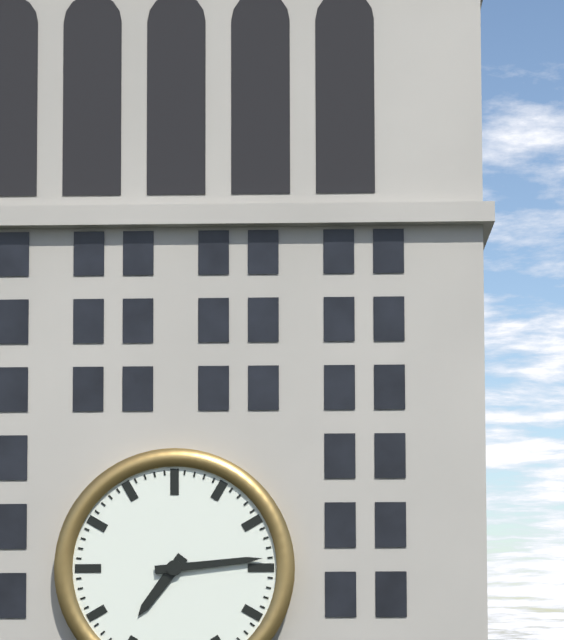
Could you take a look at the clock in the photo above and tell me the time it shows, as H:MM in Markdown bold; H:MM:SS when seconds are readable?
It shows **7:14**
